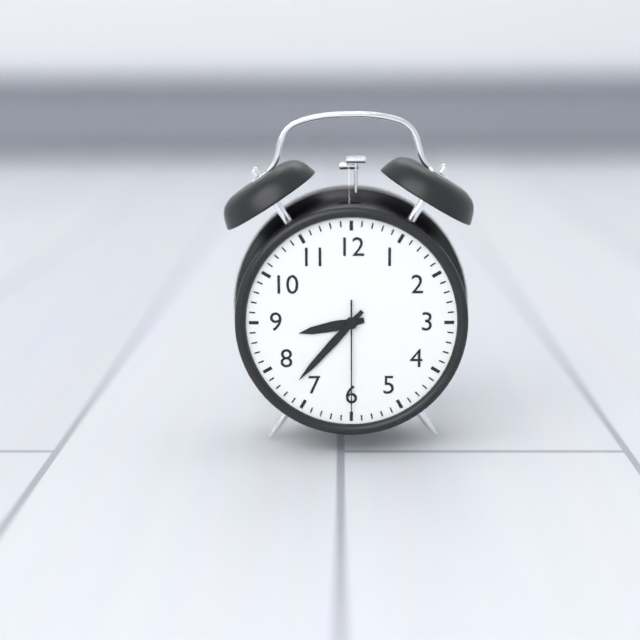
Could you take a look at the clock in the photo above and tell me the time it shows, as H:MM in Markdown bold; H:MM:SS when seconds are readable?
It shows **8:37:30**
